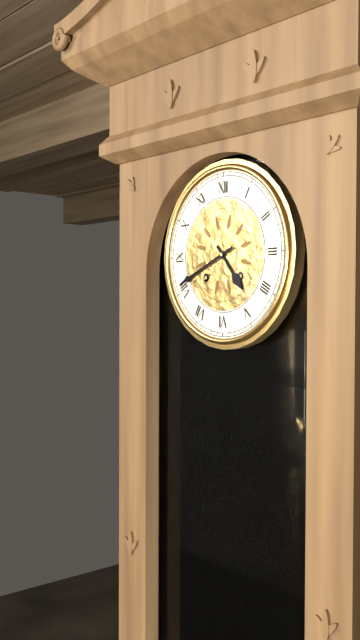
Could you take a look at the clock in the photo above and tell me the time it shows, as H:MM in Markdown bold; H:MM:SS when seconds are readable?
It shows **4:41**
